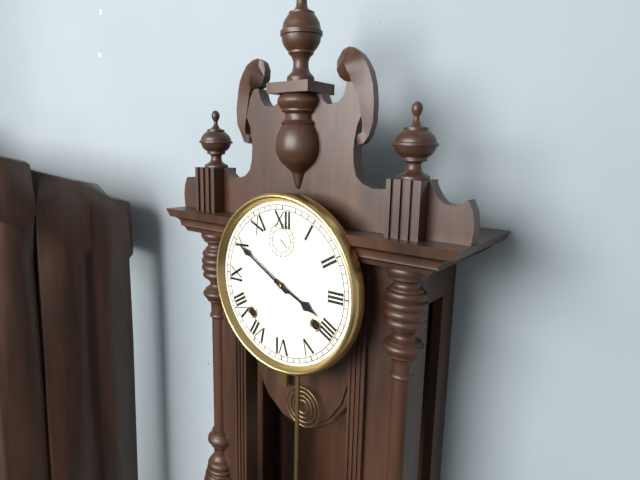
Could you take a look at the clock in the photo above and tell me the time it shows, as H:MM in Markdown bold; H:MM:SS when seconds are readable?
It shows **3:50**
